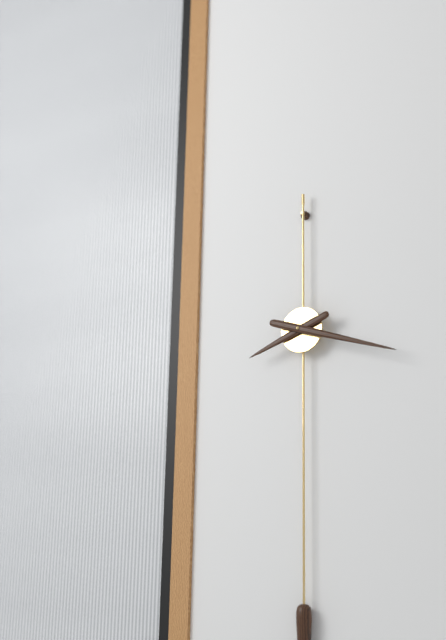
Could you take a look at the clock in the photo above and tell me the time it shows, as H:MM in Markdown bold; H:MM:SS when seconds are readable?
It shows **8:18**
